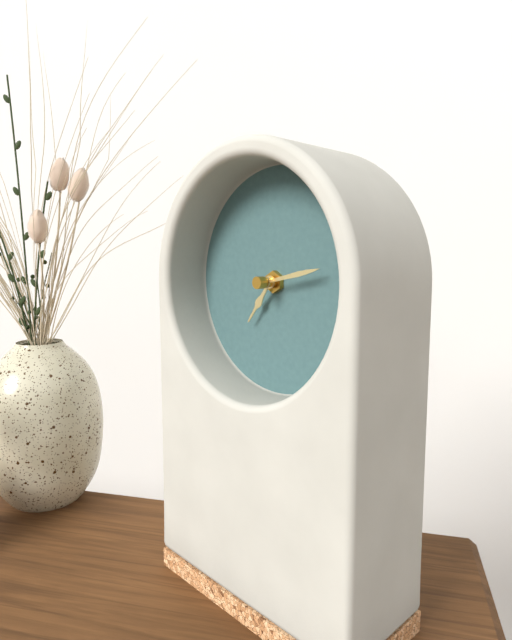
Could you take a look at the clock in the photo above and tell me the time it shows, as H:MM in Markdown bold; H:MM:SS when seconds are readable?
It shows **7:13**
